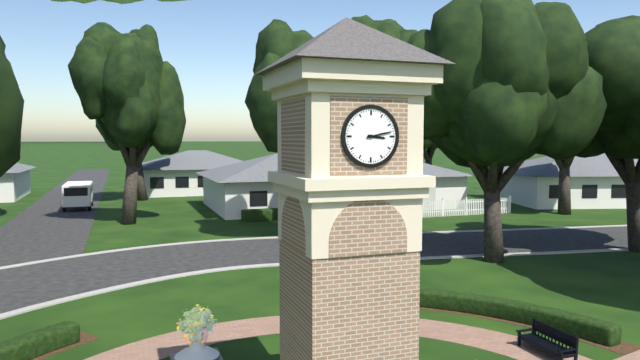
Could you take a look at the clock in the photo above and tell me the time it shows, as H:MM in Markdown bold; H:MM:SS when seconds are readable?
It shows **3:13**
